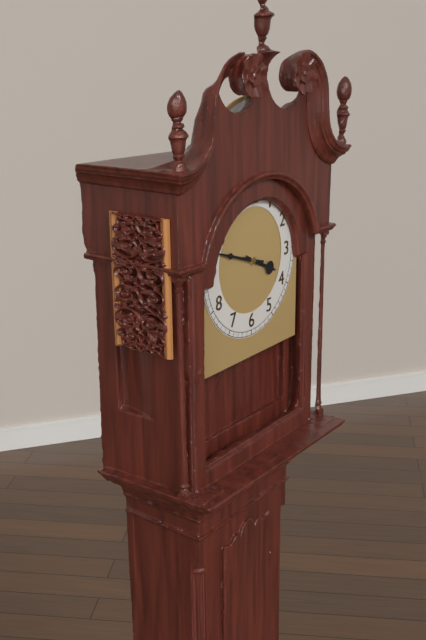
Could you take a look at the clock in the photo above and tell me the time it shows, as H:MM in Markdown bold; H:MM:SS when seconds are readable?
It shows **3:48**
